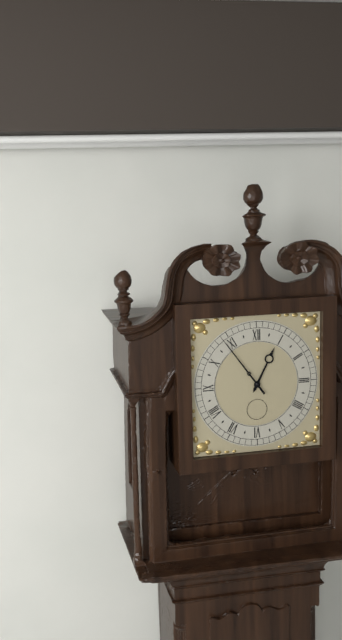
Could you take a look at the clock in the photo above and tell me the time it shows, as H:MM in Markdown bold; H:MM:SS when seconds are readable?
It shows **12:54**
